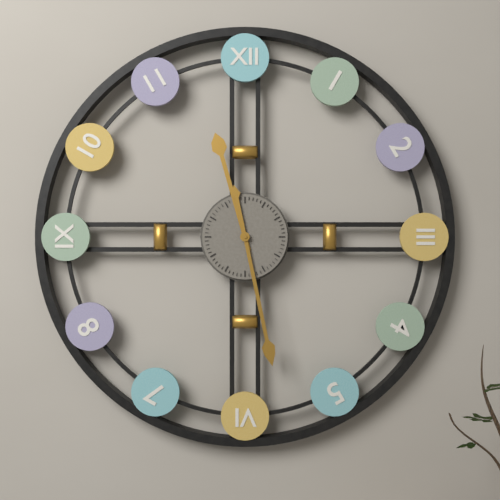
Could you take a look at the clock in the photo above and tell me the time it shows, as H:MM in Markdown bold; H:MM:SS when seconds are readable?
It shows **11:28**
